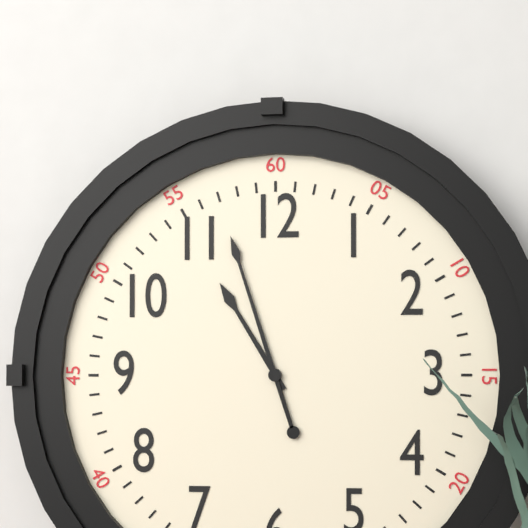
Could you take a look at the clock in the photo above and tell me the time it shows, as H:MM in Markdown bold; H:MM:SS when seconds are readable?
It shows **10:57**
